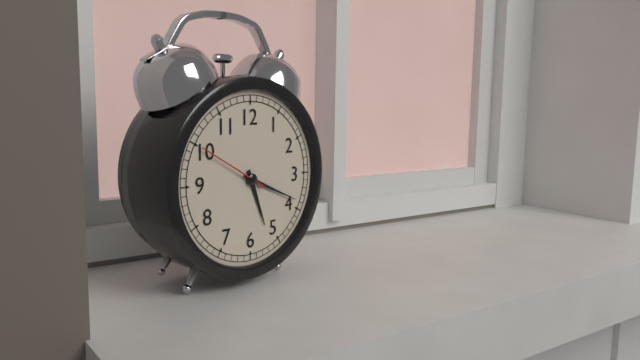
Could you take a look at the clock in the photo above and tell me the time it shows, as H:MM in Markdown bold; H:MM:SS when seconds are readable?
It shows **5:19:50**
